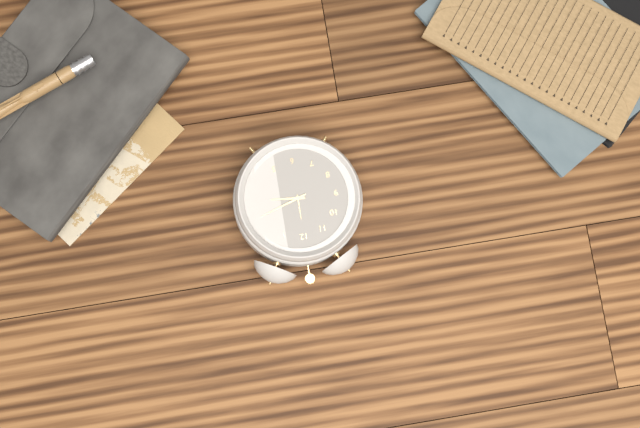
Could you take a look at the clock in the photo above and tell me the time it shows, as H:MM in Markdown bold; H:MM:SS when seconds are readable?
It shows **3:12**
